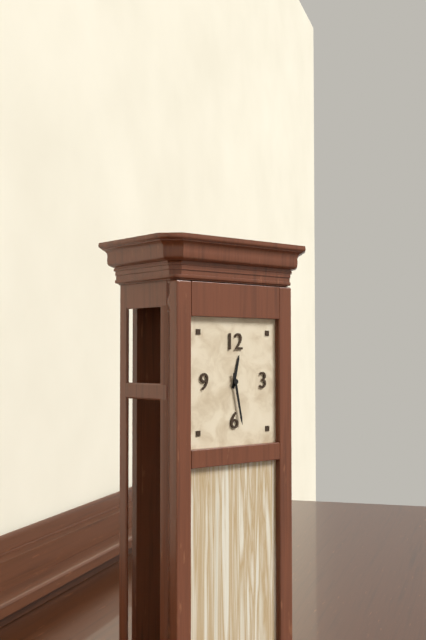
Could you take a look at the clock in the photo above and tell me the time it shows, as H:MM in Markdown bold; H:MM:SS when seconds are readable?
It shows **12:28**
